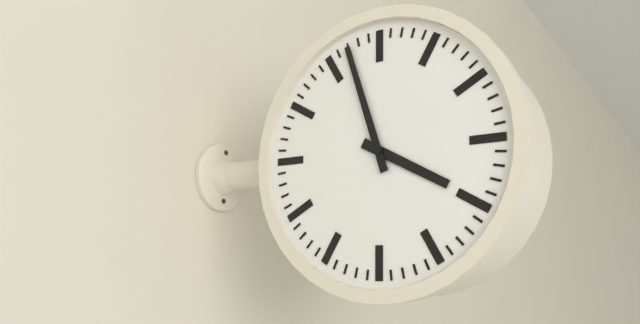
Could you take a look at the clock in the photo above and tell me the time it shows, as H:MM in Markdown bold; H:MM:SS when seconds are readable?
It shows **3:57**
